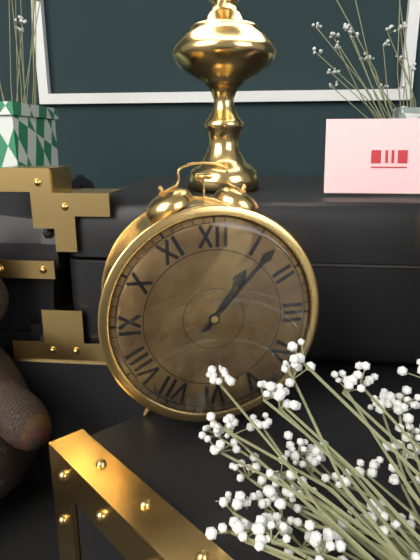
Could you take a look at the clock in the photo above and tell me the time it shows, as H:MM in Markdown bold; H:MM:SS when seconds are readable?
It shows **1:07**
